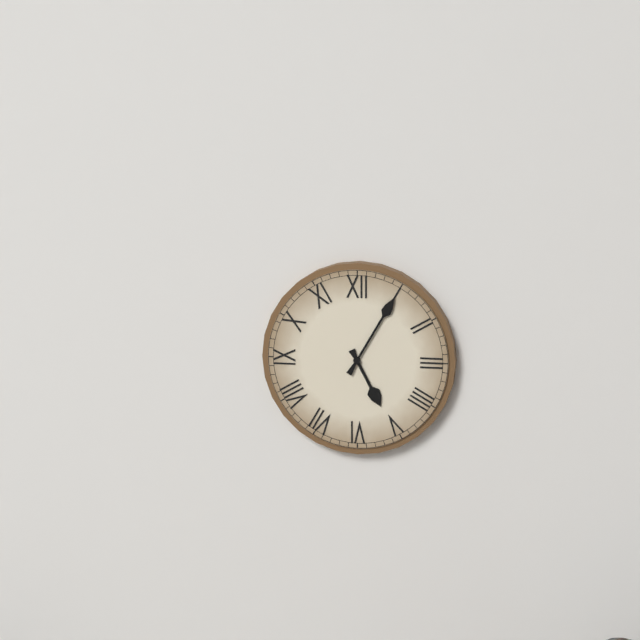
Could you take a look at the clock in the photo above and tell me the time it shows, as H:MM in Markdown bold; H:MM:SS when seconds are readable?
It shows **5:05**
